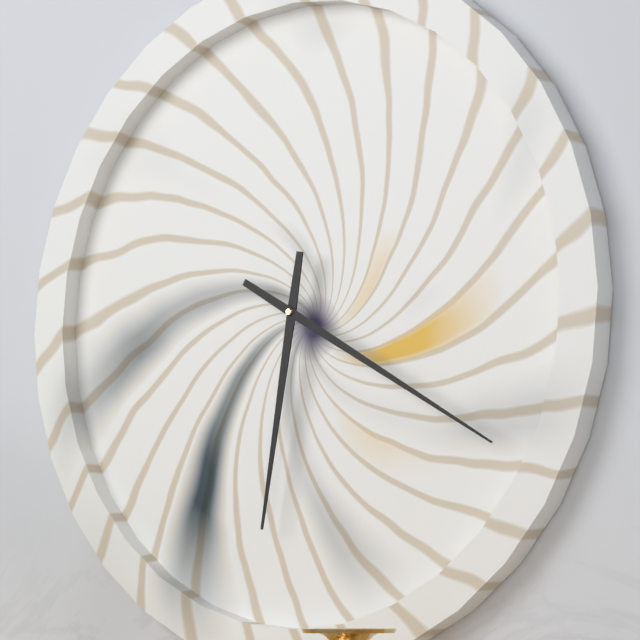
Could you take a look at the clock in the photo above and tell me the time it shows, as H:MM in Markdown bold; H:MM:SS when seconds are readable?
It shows **6:20**
